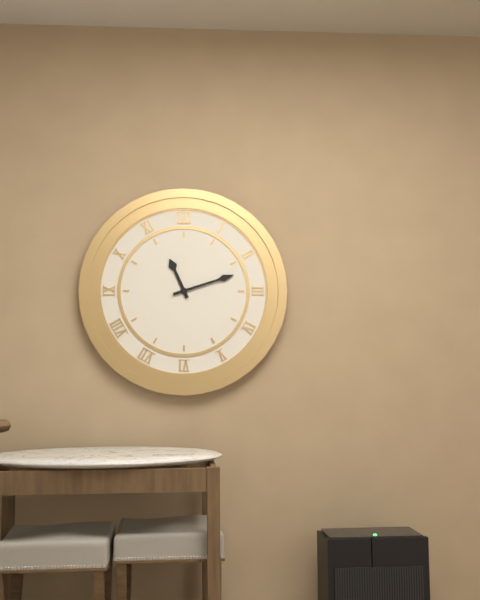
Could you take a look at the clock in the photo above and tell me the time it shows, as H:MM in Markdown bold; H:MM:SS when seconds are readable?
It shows **11:12**
